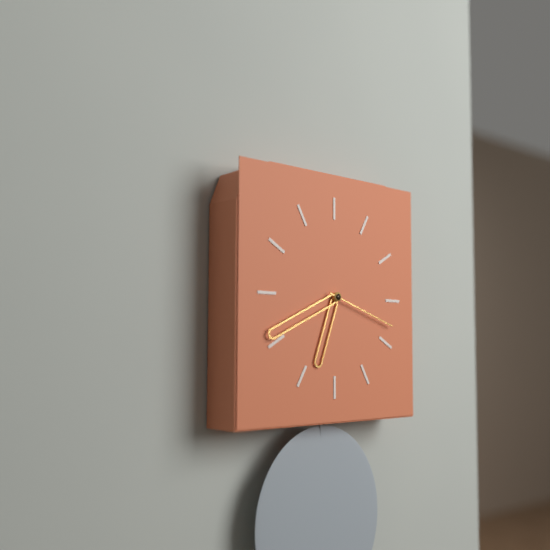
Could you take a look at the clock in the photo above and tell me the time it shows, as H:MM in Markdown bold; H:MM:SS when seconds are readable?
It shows **6:41:18**
